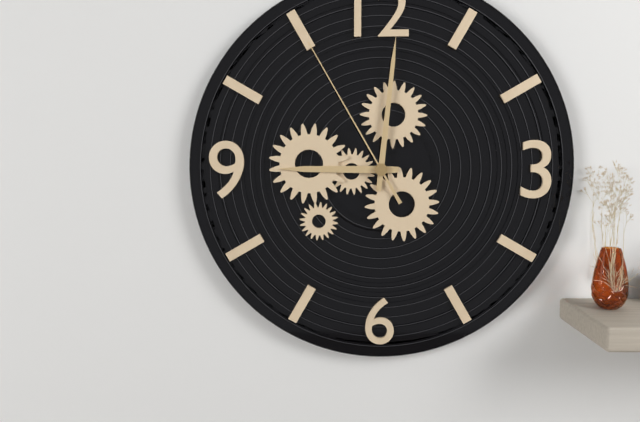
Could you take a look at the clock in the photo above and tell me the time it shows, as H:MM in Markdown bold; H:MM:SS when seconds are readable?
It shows **9:01:55**
